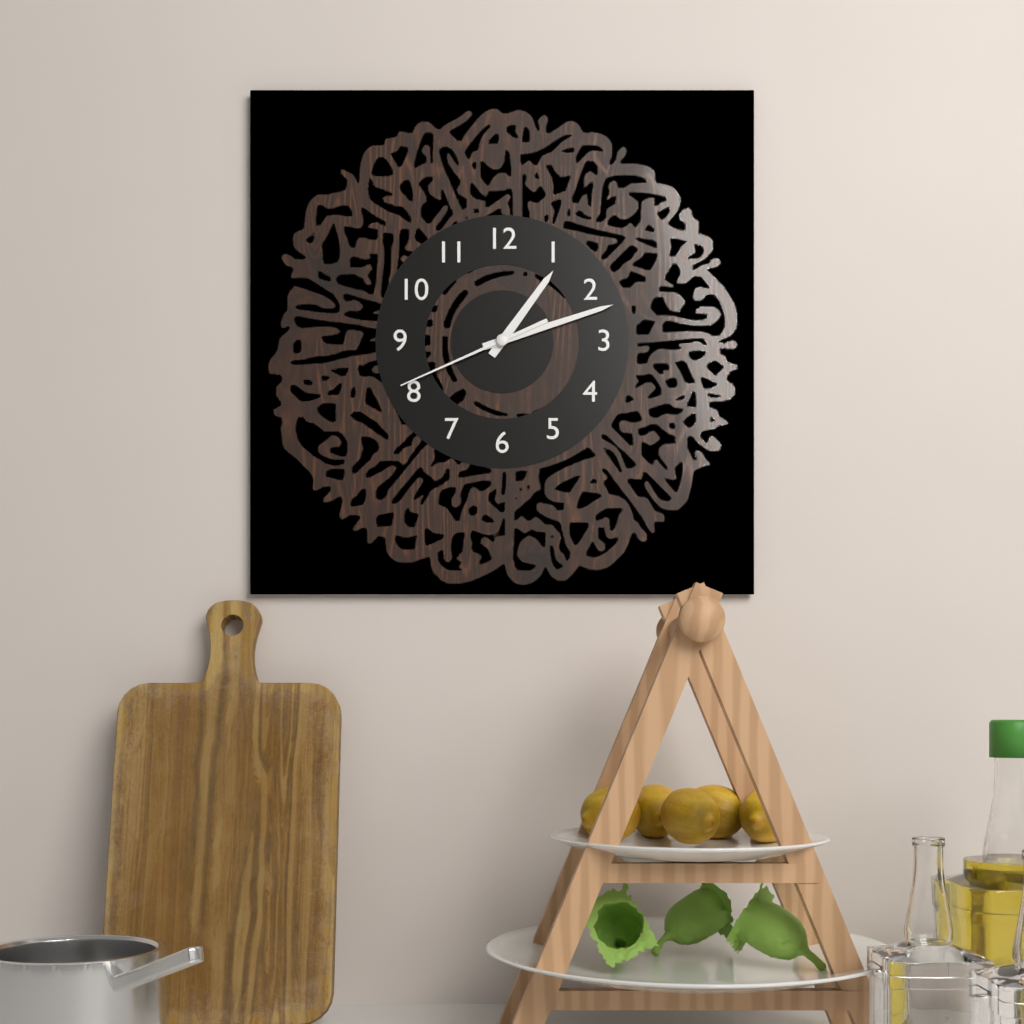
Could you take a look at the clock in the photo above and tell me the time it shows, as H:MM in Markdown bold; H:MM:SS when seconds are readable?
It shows **1:12:41**
